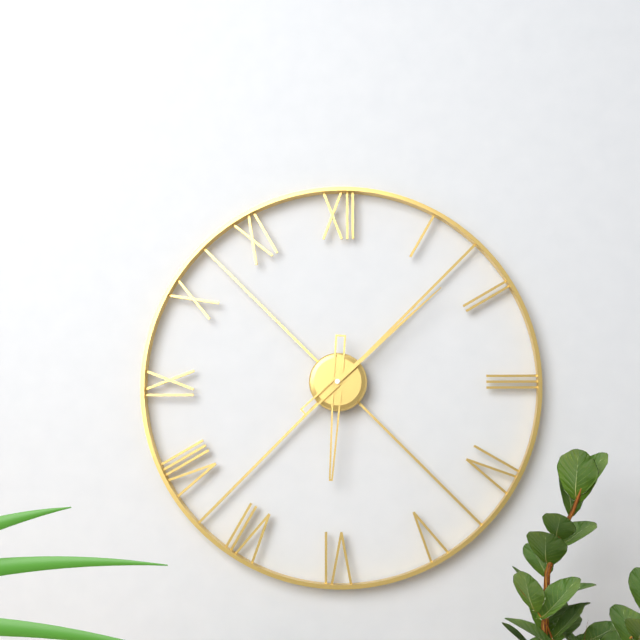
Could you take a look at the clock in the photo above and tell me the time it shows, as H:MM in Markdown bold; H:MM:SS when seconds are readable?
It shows **6:08**
